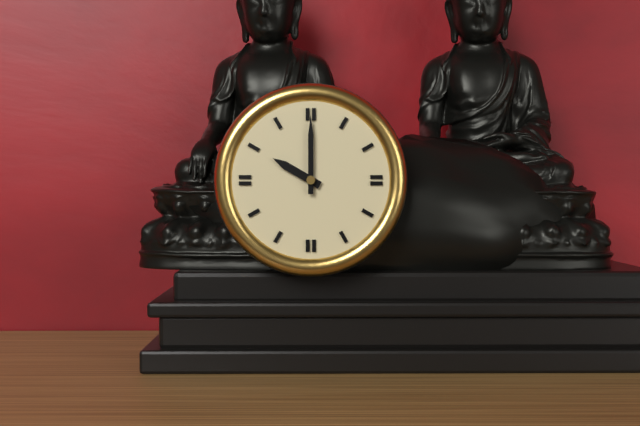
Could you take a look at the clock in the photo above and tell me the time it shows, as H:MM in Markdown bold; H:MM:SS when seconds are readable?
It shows **10:00**
